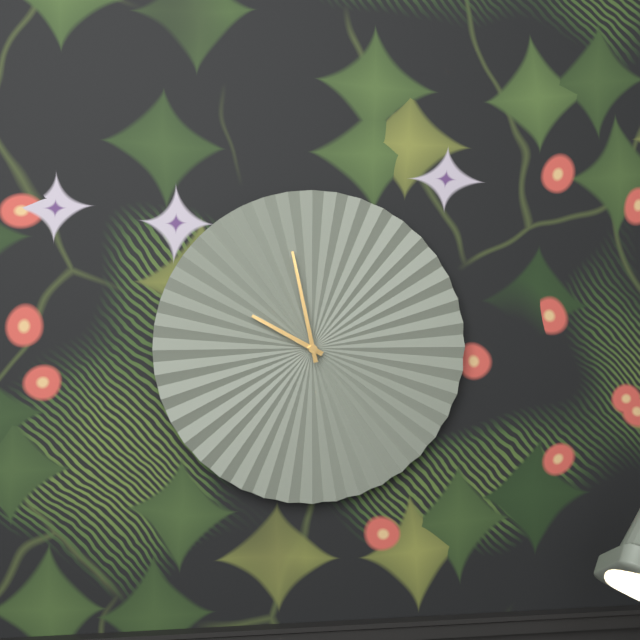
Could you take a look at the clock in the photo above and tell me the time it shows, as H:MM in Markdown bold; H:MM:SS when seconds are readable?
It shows **9:58**
